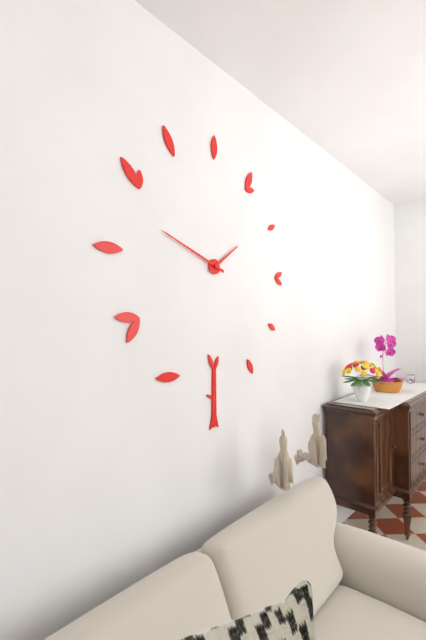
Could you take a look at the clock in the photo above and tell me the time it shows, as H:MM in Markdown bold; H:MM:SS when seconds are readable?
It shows **1:48**
